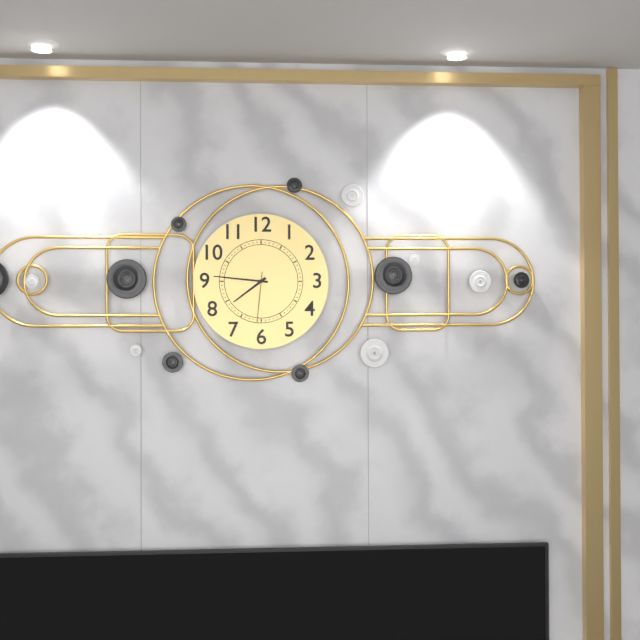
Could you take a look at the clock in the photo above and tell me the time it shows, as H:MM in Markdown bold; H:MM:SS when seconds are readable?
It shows **7:46:31**
